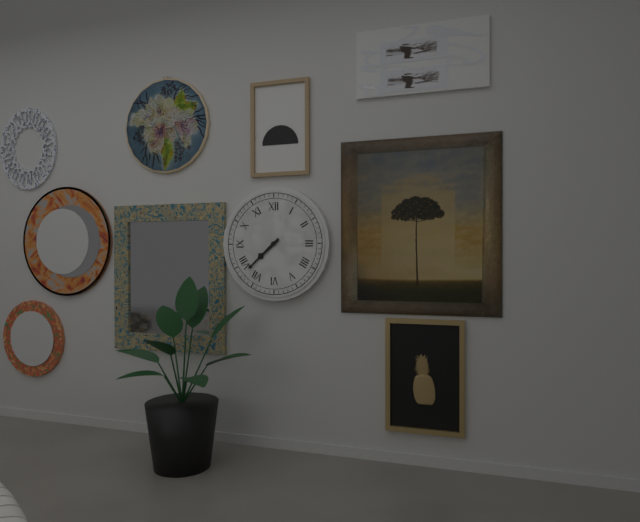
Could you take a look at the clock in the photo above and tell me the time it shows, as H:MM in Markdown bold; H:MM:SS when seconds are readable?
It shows **7:38**
